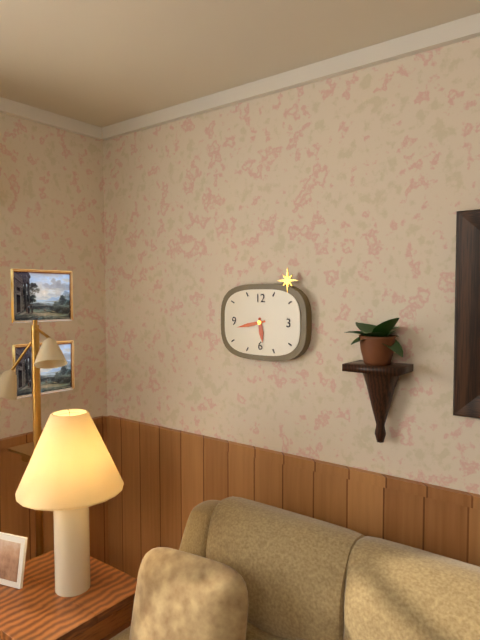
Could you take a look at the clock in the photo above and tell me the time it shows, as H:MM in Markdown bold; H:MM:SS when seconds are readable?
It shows **5:43**
